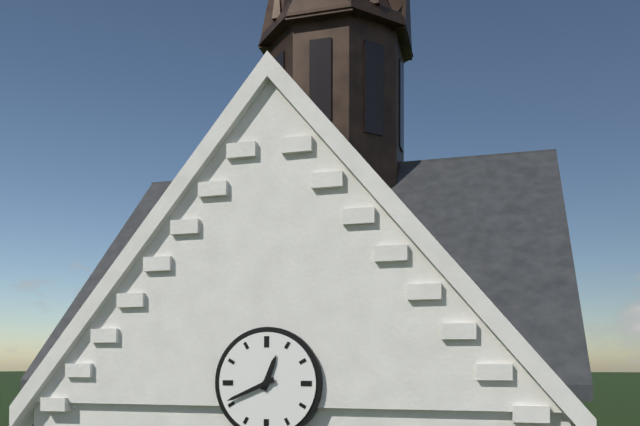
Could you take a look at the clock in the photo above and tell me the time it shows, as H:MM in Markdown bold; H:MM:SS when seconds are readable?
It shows **12:41**
